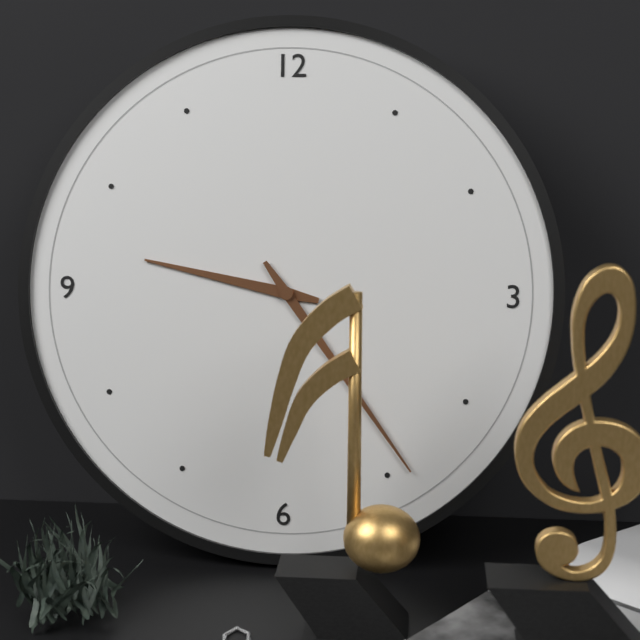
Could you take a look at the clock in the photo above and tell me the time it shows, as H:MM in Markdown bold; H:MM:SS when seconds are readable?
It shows **9:24**
